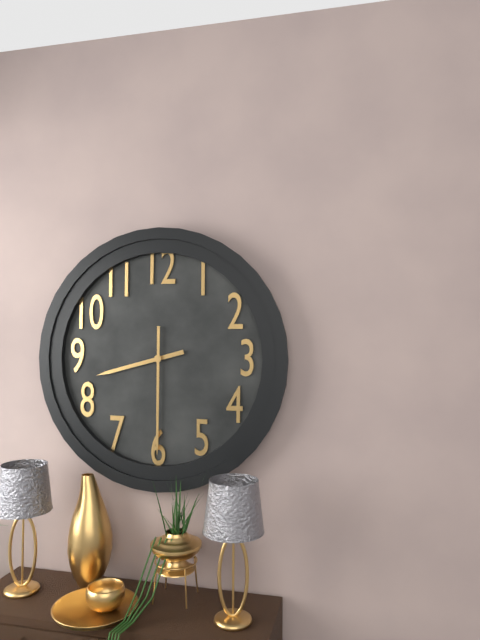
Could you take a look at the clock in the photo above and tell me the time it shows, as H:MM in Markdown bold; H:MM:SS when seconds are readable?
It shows **8:30**
